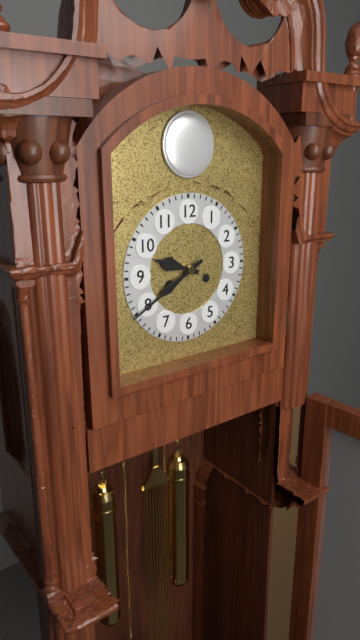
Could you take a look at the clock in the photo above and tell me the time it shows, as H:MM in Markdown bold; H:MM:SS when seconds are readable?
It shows **9:40**
